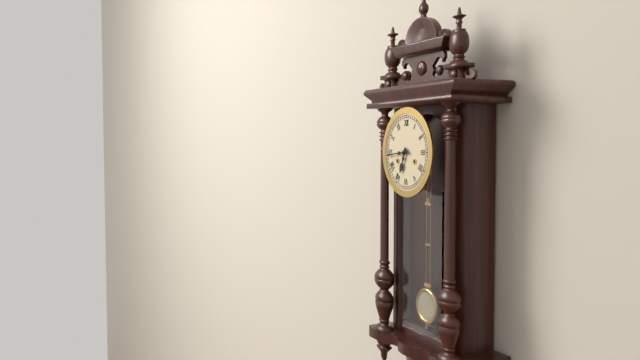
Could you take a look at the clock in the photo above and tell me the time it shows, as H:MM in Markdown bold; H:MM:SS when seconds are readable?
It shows **6:44**
